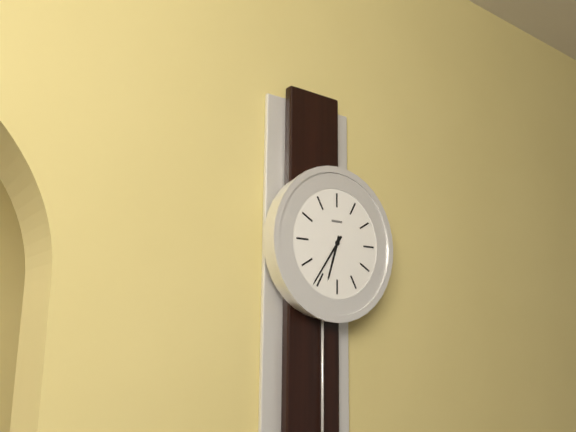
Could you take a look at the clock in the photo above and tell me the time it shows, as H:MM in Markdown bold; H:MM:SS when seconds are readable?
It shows **6:36**
